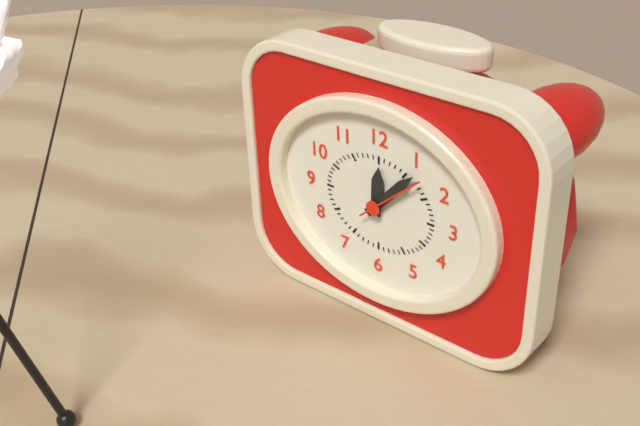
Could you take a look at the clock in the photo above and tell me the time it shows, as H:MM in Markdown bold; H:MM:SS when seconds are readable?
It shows **12:07:08**
